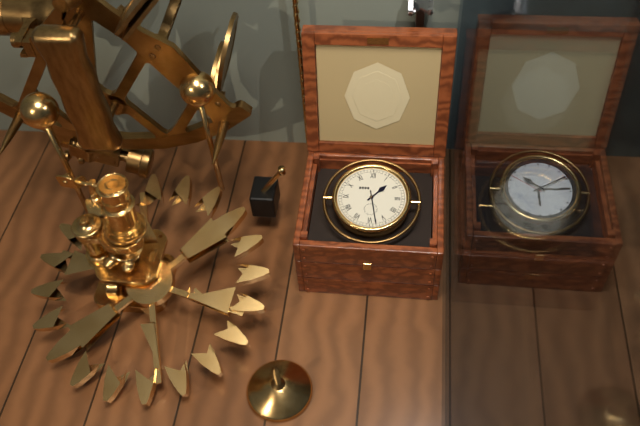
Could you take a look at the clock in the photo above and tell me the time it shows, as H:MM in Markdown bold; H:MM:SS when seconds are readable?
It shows **1:28**
